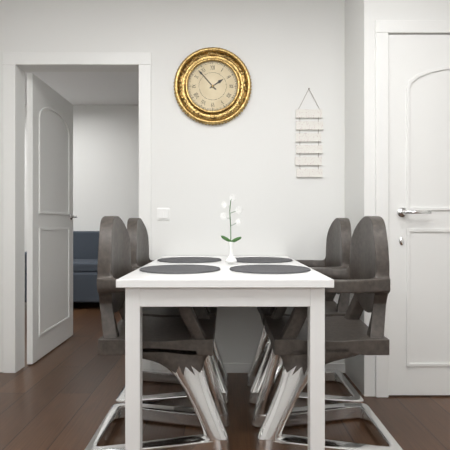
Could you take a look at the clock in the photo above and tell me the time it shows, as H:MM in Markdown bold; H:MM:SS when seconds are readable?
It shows **1:53**
